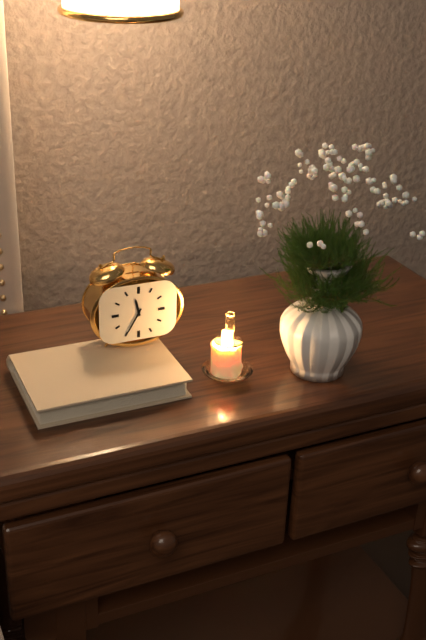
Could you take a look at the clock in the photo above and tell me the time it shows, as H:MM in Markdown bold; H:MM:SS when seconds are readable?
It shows **11:35**
